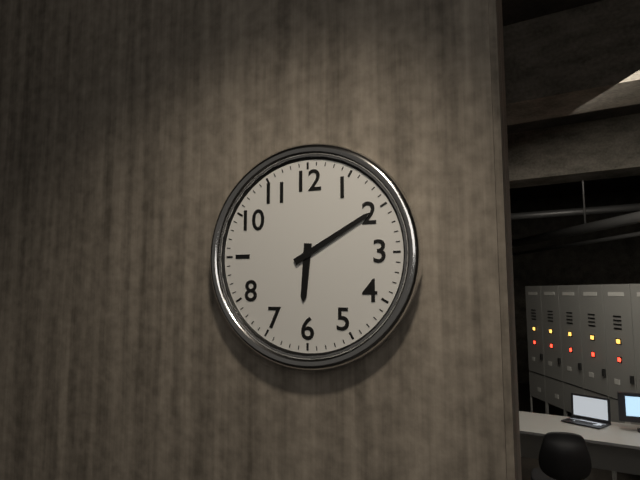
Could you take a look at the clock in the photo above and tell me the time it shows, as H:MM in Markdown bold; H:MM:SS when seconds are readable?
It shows **6:10**
